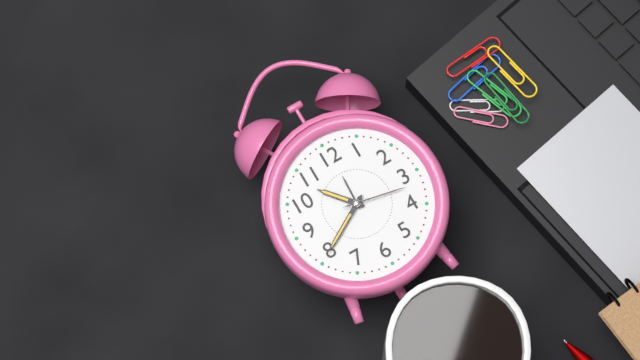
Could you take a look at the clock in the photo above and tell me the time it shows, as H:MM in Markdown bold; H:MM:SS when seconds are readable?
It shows **10:40:17**
